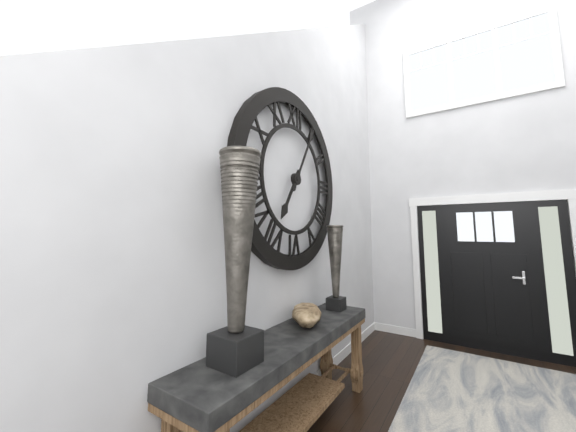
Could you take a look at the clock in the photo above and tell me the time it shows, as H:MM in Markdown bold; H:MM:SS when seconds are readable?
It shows **7:05**
